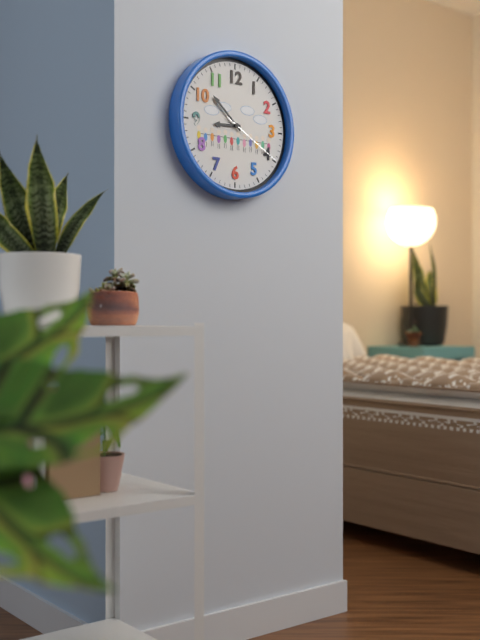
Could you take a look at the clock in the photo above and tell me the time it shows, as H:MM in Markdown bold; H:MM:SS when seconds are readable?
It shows **8:52:20**
